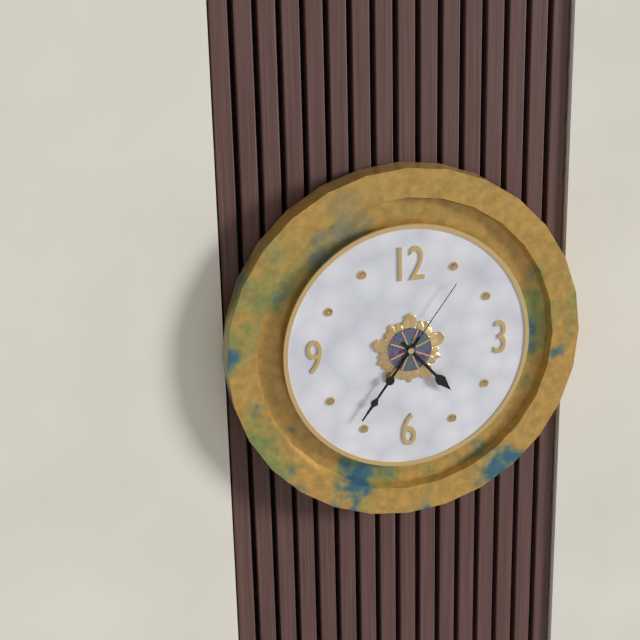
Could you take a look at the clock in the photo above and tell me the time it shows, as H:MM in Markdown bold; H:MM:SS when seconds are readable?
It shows **4:36:06**
